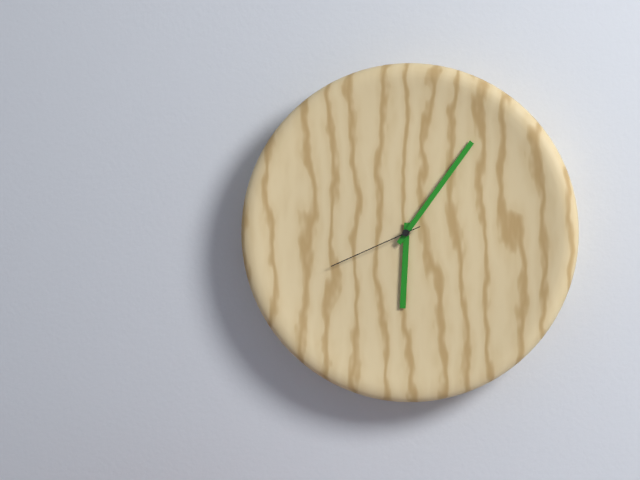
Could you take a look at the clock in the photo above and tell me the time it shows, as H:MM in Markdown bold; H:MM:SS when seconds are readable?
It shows **6:06:41**
